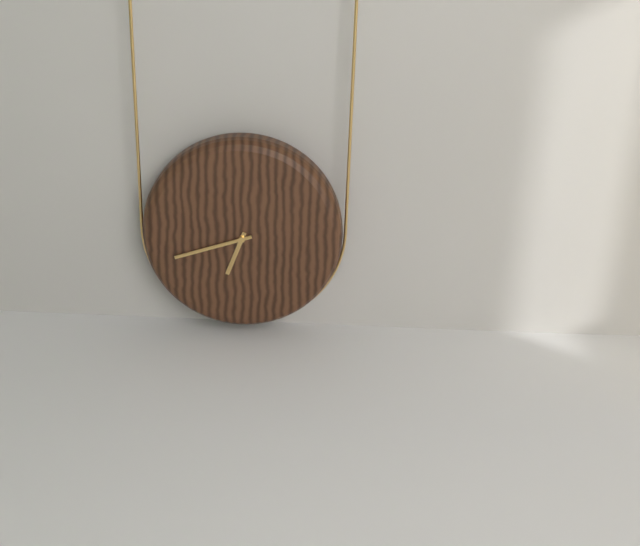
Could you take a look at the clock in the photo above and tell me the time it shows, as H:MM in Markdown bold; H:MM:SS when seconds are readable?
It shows **6:42**
